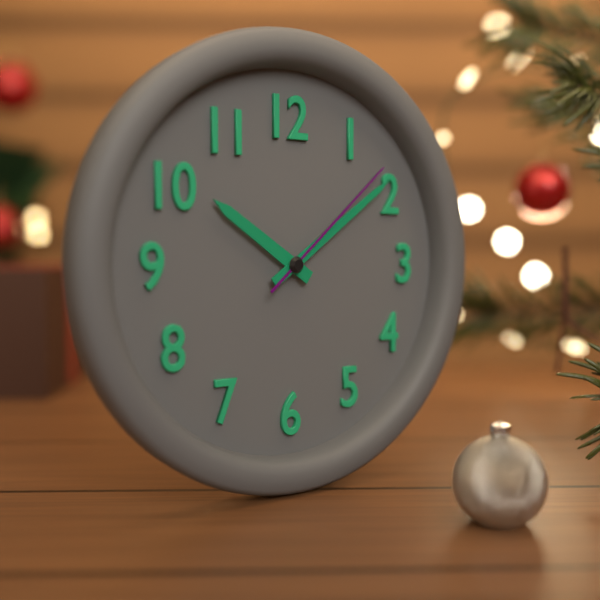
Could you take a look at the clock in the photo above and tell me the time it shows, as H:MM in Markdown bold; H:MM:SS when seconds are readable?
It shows **10:09:08**
